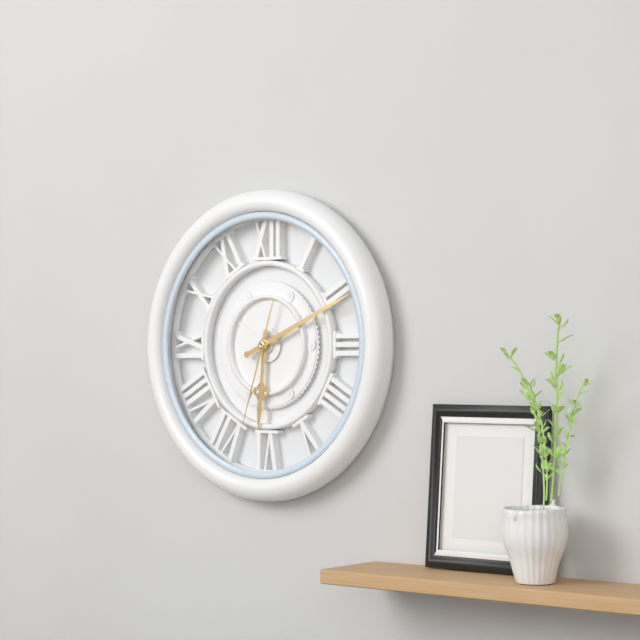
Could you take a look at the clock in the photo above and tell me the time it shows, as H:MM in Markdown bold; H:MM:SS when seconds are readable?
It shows **6:11:33**
